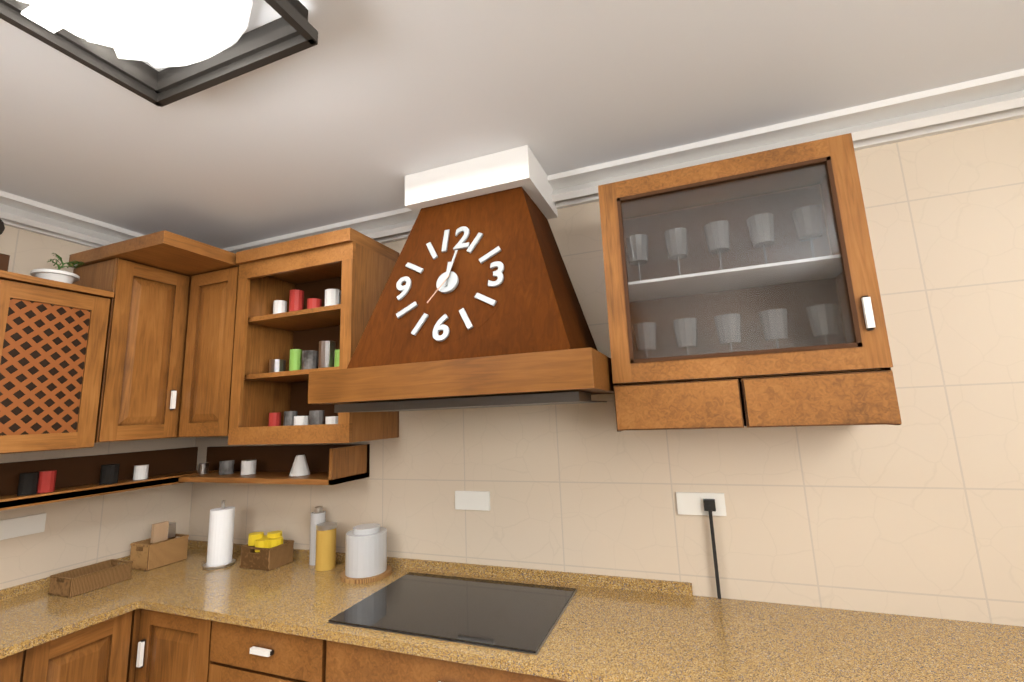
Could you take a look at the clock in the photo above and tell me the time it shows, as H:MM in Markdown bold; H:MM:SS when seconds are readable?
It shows **12:02**
